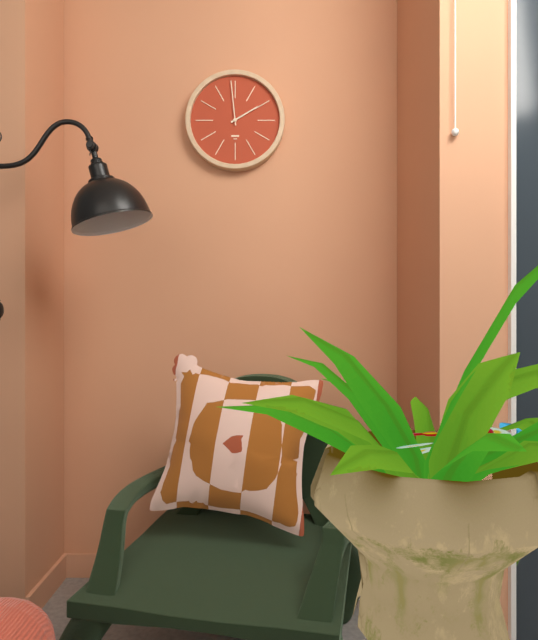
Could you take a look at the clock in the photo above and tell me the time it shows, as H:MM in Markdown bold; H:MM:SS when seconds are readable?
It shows **1:59**
